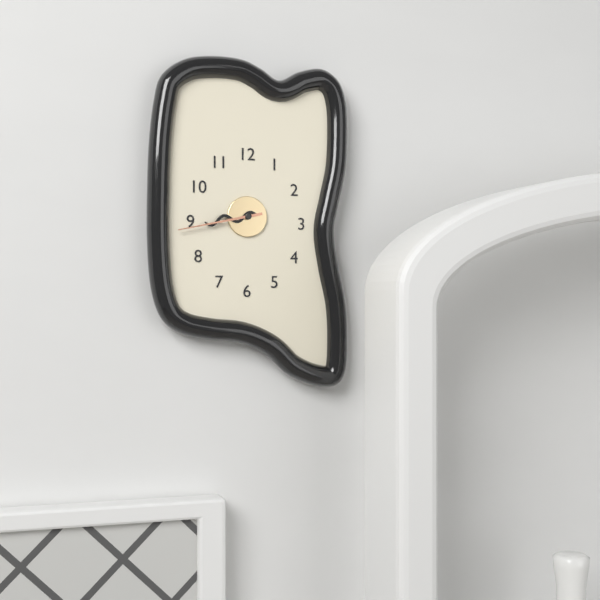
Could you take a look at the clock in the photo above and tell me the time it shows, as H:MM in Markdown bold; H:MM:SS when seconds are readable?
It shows **8:43**
